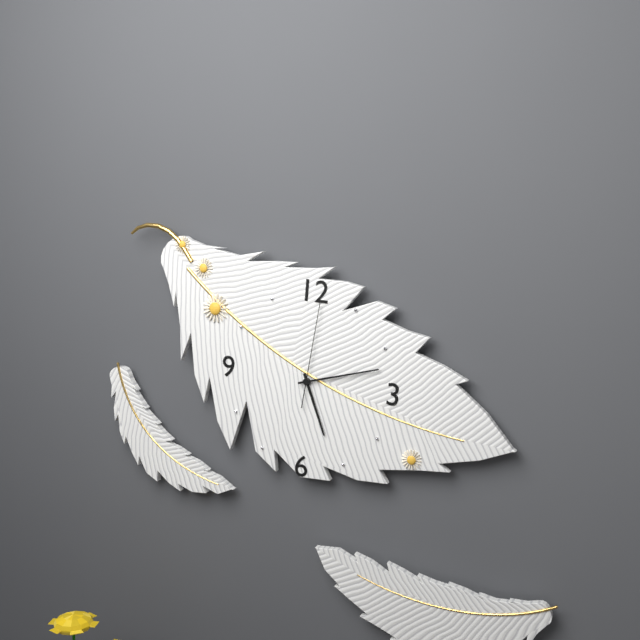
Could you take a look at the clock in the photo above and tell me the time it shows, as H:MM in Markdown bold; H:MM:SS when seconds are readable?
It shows **5:12:01**
